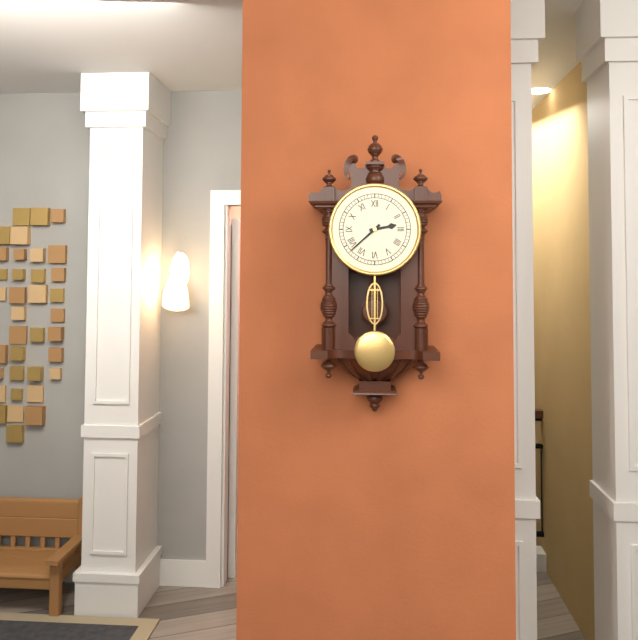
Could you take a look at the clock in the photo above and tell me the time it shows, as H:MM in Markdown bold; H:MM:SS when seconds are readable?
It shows **2:38**
